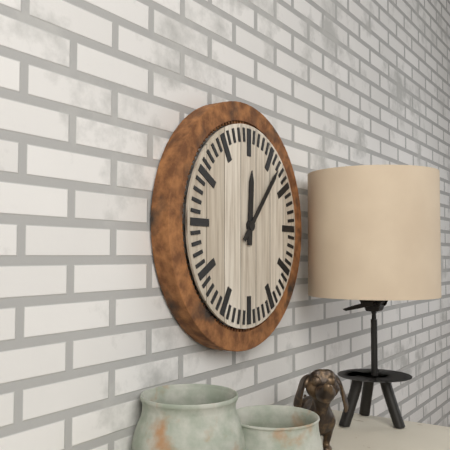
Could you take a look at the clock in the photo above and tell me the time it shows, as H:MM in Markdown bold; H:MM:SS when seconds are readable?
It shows **12:07**
